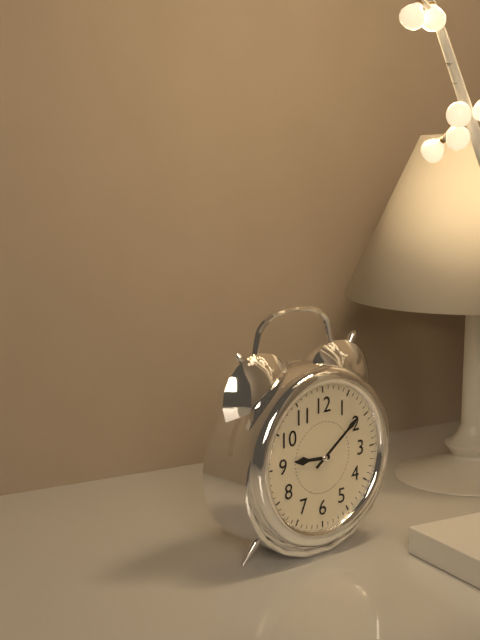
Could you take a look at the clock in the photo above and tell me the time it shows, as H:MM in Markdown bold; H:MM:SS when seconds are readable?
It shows **9:09**
